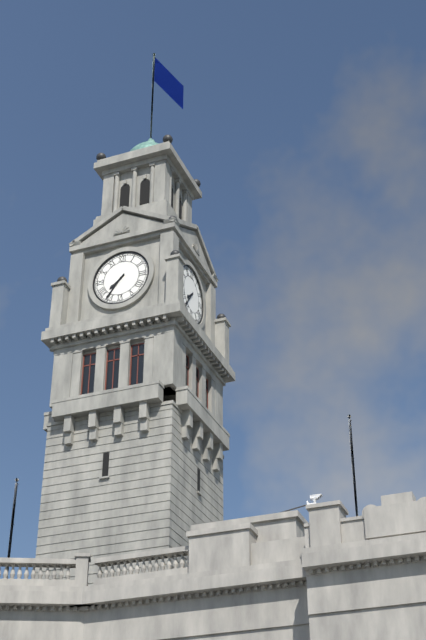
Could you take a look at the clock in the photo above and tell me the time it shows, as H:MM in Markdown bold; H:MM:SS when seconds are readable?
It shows **7:36**
